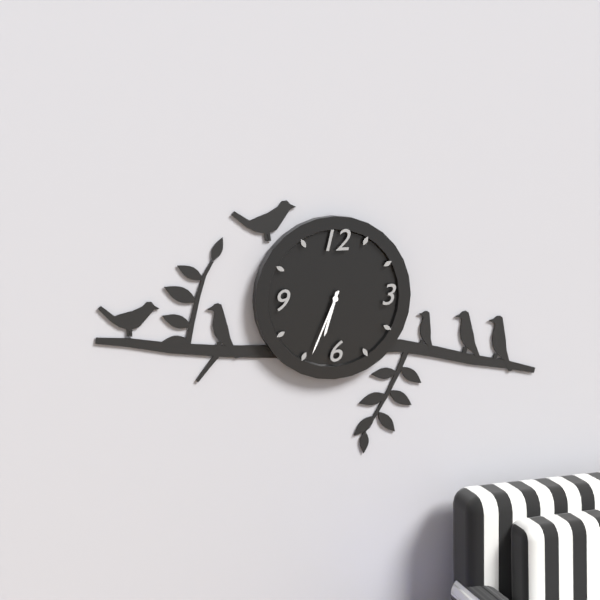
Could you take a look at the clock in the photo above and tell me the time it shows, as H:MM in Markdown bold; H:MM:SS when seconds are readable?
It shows **6:34**
